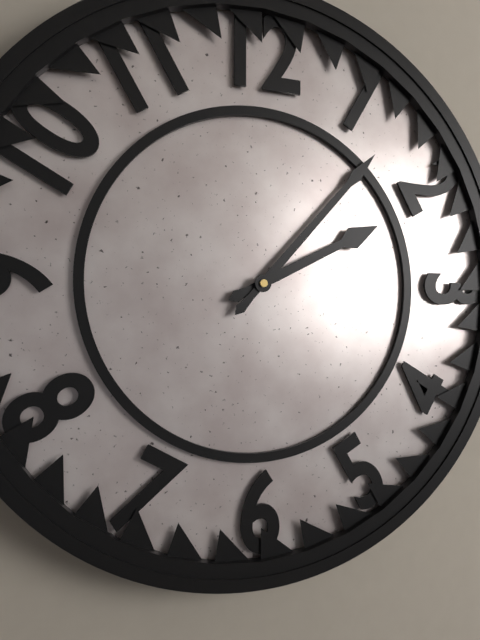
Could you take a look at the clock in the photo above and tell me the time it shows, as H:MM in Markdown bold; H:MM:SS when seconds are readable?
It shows **2:07**
